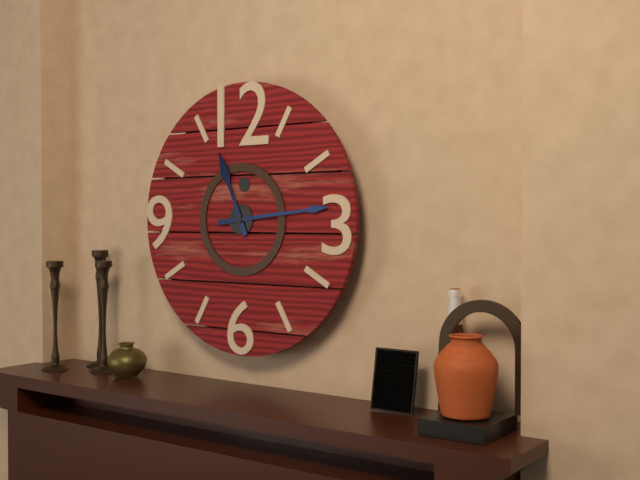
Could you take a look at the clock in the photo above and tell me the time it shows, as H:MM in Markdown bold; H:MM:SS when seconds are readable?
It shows **11:14**
